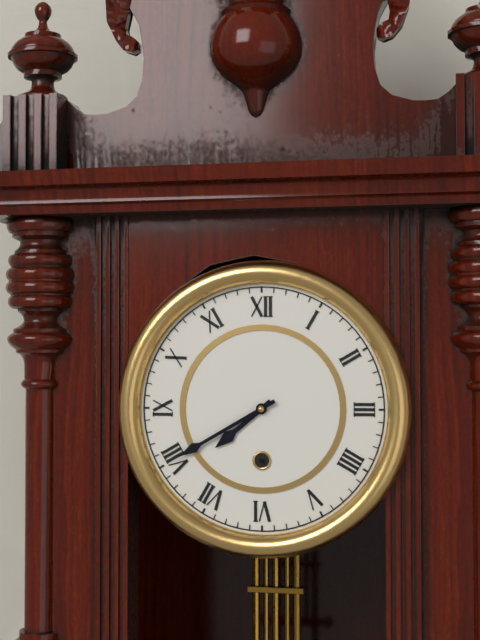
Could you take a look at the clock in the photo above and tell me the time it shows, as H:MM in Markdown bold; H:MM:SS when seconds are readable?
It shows **7:40**
